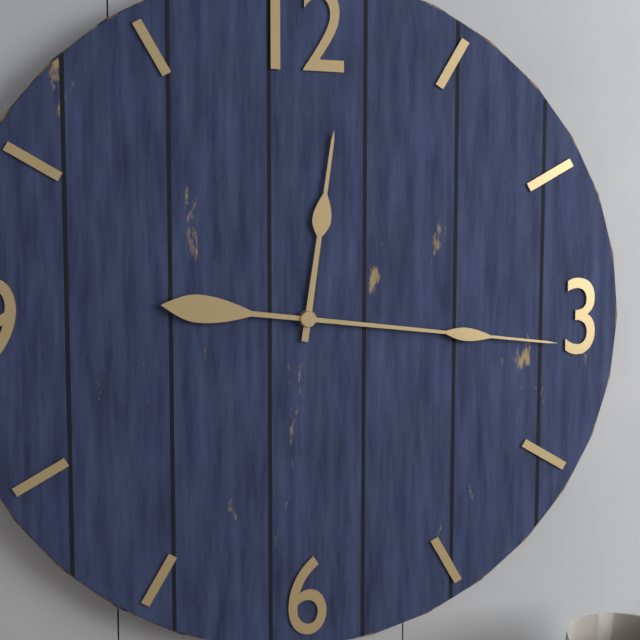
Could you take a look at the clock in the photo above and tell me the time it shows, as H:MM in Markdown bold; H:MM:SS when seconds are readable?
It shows **12:16**
